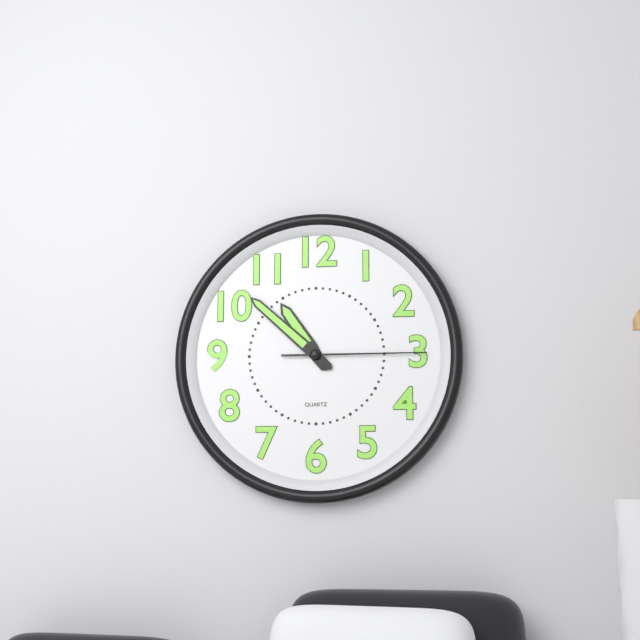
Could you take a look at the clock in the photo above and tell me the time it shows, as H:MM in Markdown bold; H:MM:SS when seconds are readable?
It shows **10:52:15**
